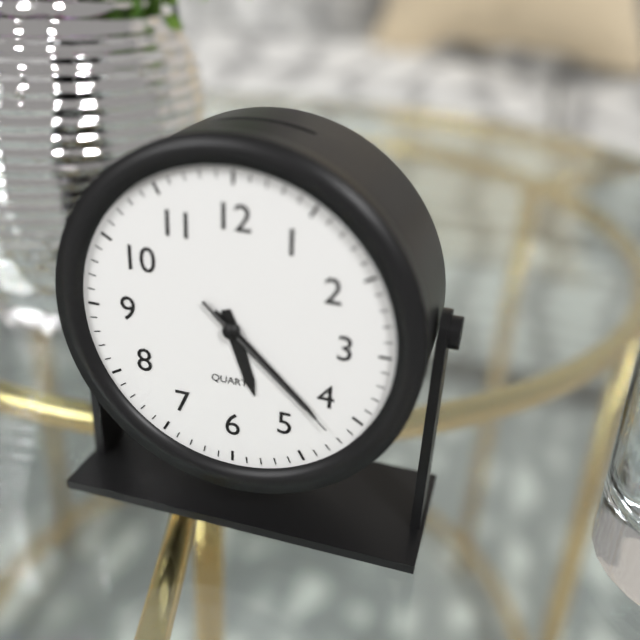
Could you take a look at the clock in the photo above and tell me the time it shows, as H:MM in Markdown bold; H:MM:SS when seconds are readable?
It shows **5:22:22**
